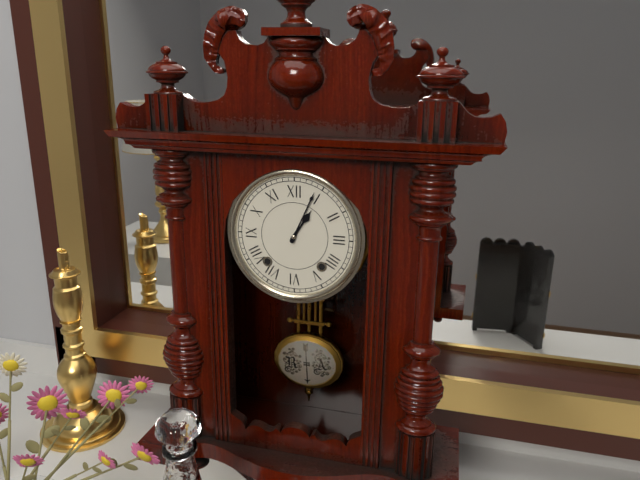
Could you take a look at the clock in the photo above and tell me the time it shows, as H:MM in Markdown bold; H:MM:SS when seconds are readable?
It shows **1:04**
